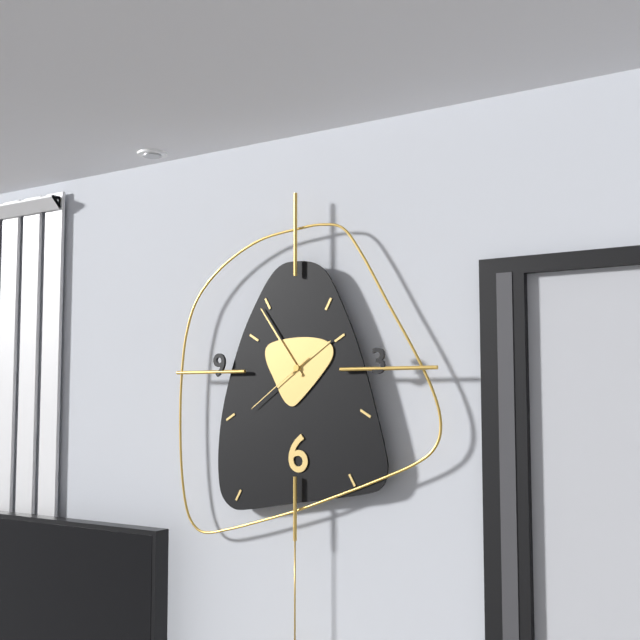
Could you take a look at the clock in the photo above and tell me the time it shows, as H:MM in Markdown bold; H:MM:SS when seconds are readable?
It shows **1:54:39**
